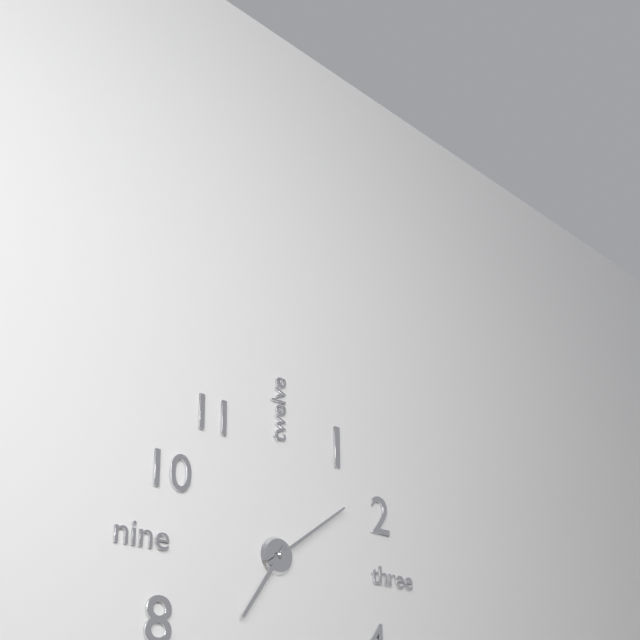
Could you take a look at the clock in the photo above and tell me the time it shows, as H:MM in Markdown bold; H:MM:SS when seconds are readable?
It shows **7:09**
